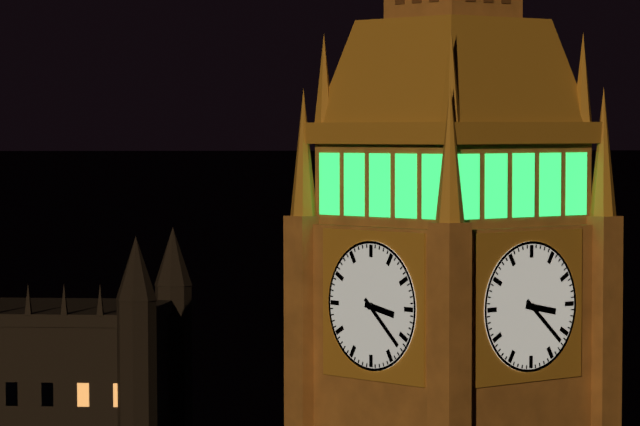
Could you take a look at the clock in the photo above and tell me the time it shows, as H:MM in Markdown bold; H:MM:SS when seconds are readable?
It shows **3:22**
